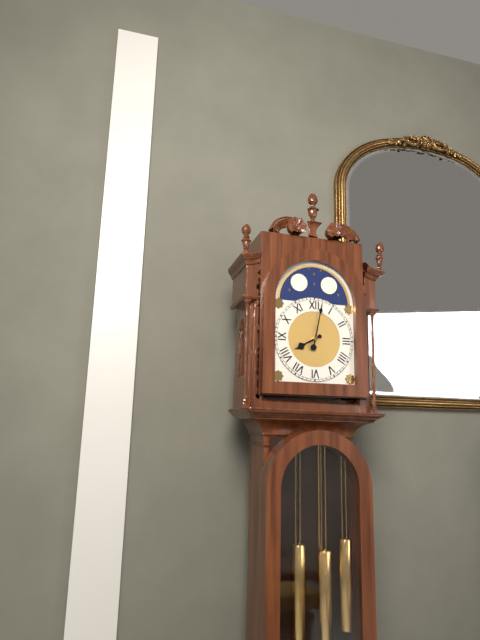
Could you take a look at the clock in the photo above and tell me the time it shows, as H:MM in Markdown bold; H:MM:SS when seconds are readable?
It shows **8:02**
